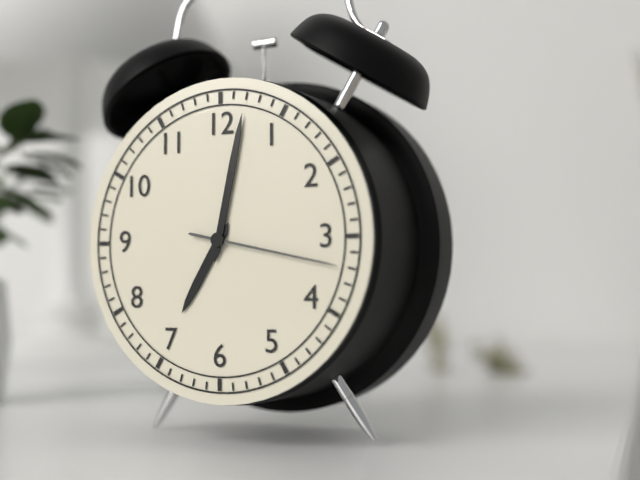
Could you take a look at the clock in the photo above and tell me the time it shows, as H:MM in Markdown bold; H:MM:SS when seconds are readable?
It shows **7:02:17**
